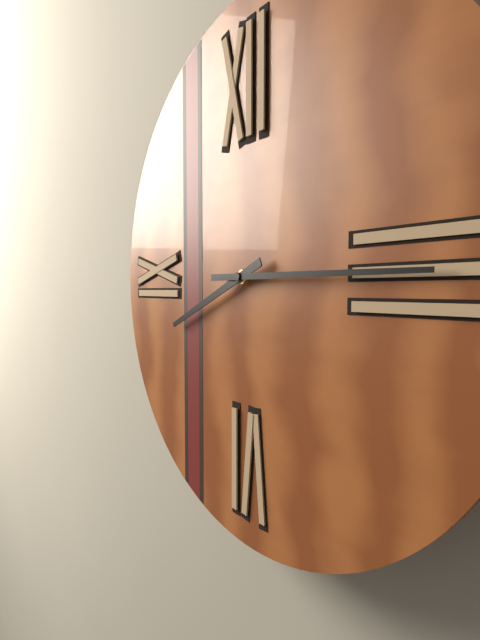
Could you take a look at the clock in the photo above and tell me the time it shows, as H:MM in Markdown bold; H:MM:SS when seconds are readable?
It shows **8:15**
